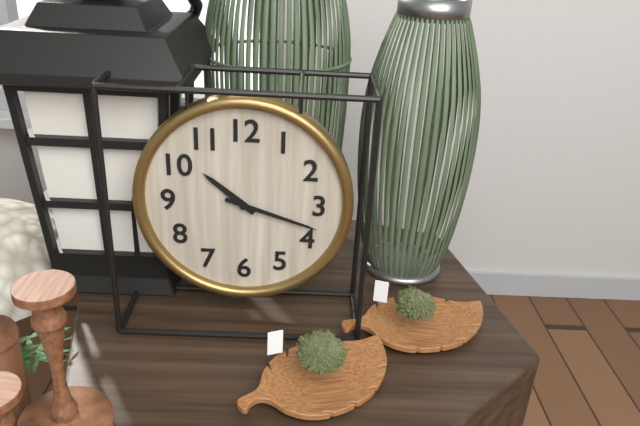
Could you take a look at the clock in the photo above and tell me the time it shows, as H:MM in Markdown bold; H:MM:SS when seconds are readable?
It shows **10:18**
